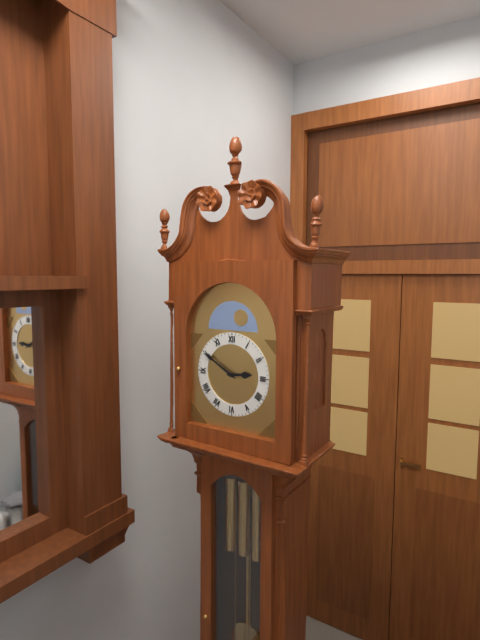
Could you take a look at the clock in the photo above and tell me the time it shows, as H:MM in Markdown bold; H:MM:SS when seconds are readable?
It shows **2:50**
